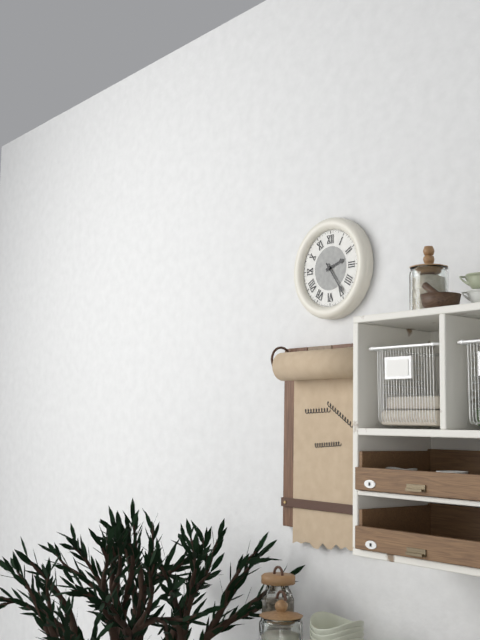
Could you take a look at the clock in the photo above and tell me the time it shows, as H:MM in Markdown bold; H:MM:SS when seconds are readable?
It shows **2:24**
